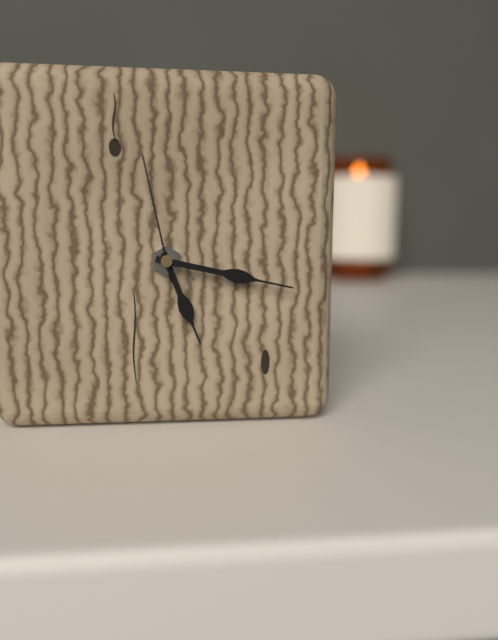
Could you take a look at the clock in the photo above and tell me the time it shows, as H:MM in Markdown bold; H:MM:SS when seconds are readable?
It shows **5:17:58**
